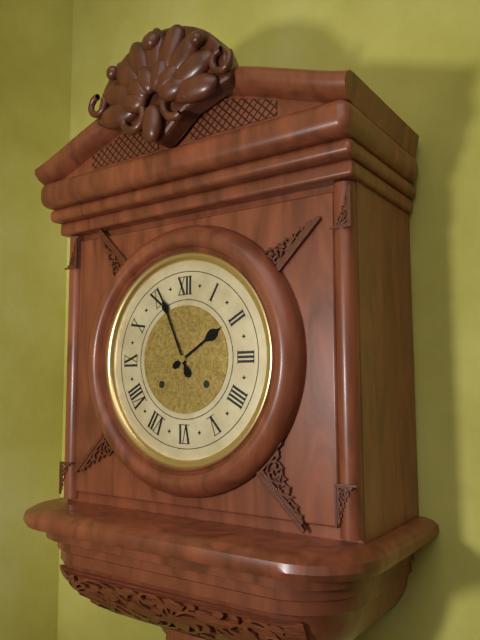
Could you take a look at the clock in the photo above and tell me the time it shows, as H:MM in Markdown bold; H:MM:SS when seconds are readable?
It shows **1:56**
